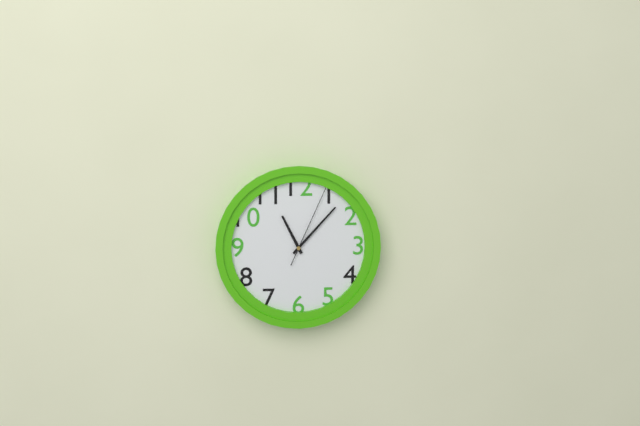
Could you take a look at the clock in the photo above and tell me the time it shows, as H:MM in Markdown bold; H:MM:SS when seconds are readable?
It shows **11:07:04**
